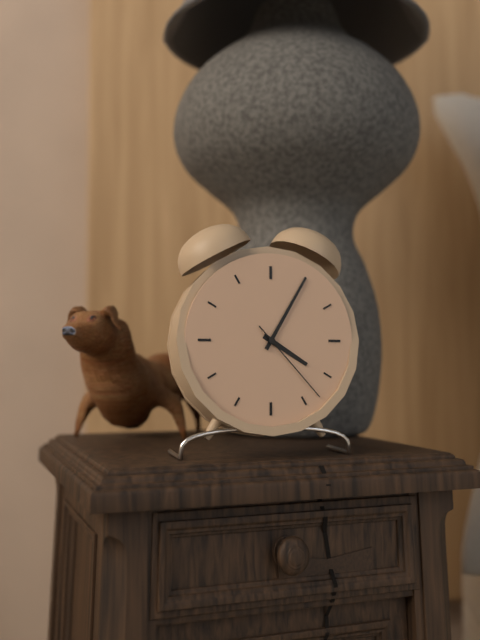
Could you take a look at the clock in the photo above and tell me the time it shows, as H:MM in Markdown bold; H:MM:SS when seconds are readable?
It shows **4:05:23**
